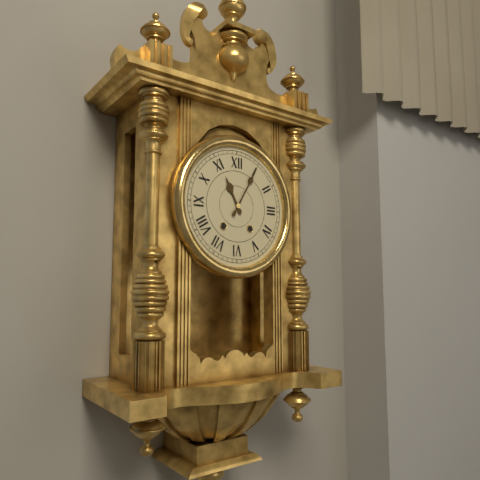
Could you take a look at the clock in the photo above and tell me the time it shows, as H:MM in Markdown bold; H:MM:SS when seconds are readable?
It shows **11:05**
